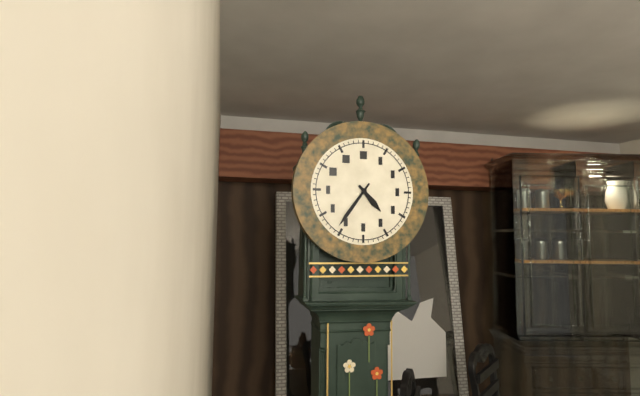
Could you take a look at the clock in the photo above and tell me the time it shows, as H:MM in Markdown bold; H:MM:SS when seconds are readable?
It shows **4:36**
